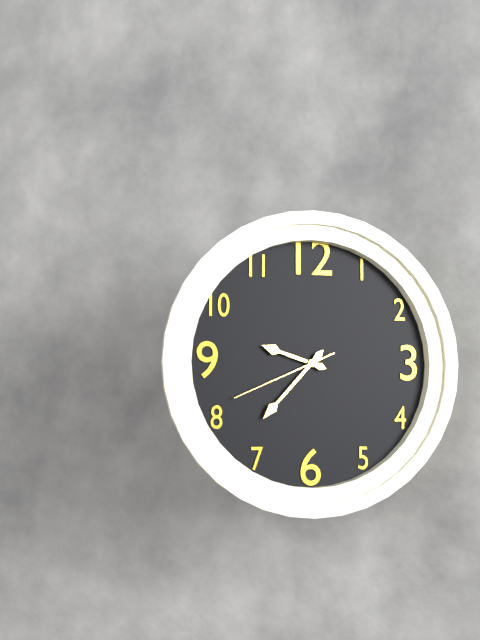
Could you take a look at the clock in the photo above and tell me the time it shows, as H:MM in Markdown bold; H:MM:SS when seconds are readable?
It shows **9:37:41**
